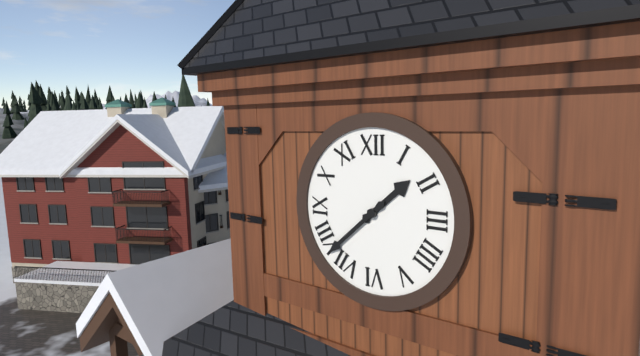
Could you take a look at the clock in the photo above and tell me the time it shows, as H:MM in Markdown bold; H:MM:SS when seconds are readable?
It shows **1:38**
